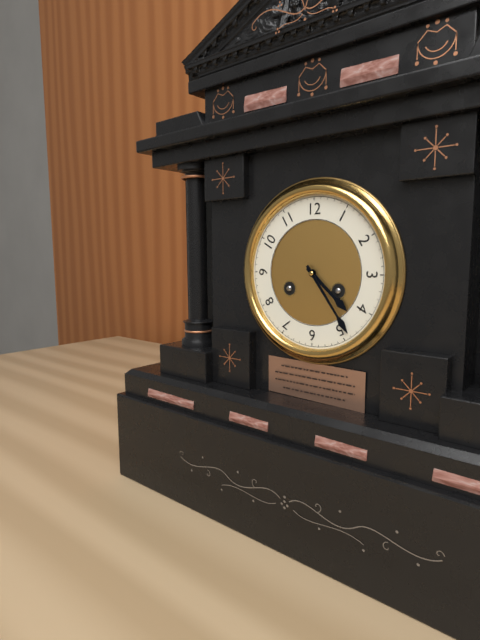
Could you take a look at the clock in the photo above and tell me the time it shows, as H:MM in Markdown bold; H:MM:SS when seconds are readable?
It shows **4:24**
